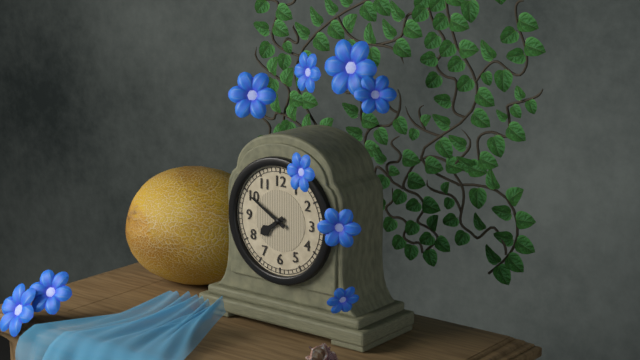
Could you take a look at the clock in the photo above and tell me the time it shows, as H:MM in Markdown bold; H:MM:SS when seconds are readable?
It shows **7:50**
